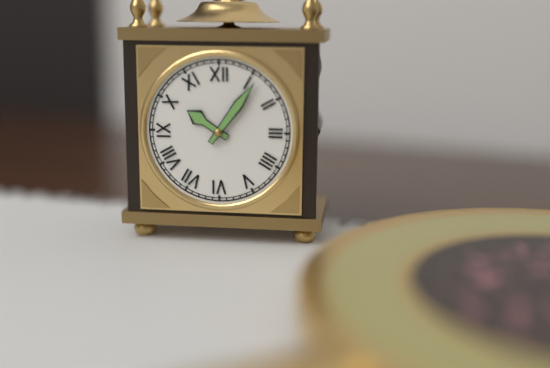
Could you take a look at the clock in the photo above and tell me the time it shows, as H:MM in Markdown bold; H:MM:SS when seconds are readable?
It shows **10:06**
